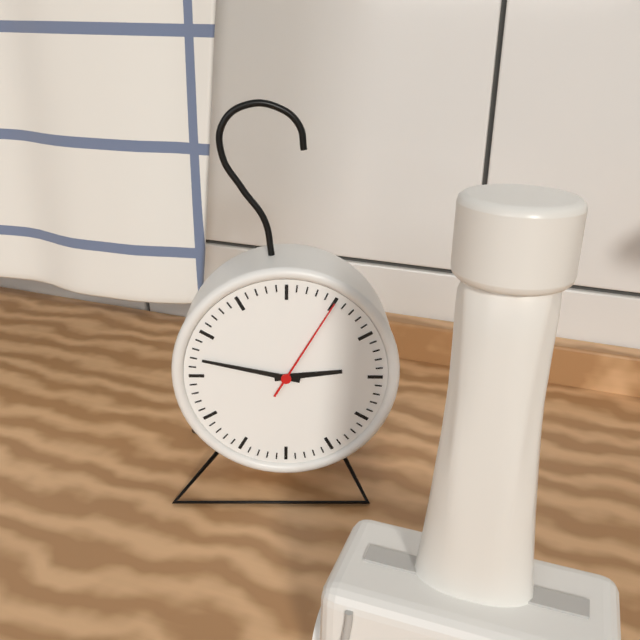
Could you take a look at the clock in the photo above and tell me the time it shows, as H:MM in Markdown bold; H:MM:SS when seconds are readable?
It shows **2:47:05**
